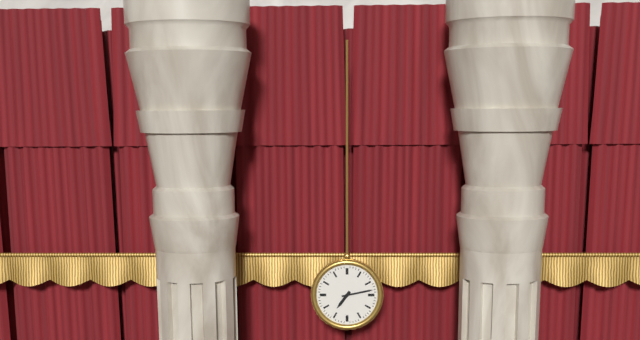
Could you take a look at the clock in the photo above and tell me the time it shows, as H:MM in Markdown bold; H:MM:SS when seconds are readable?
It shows **7:13**
